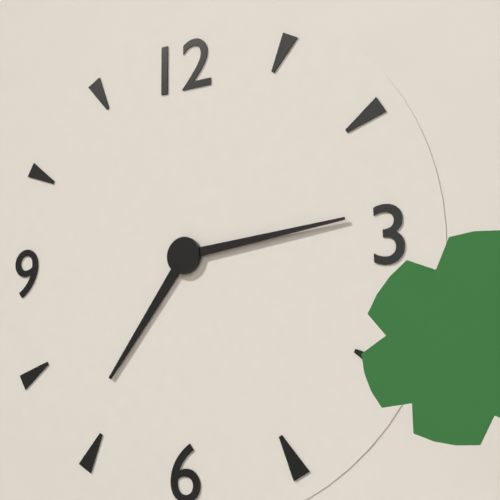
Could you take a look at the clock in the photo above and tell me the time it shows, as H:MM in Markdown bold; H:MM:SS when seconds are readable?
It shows **7:14**
